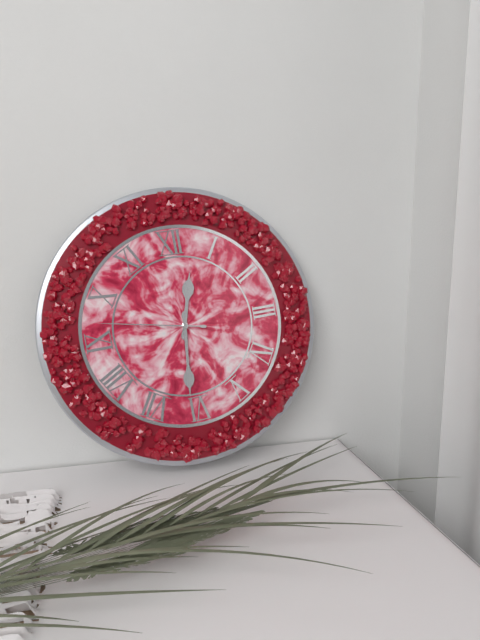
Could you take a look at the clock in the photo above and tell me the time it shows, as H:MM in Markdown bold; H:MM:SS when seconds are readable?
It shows **12:31:47**
